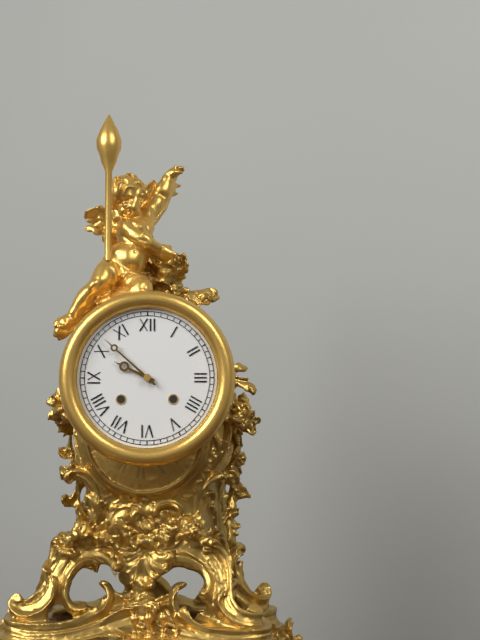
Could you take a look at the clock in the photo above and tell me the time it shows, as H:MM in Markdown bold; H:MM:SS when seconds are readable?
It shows **9:52**
